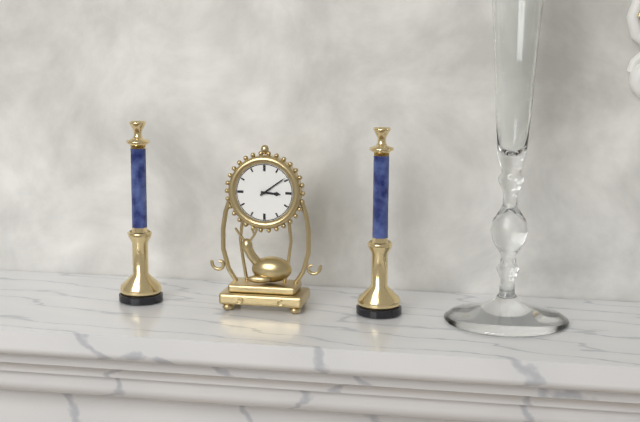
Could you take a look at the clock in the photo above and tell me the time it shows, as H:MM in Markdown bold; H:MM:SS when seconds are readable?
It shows **3:09**
